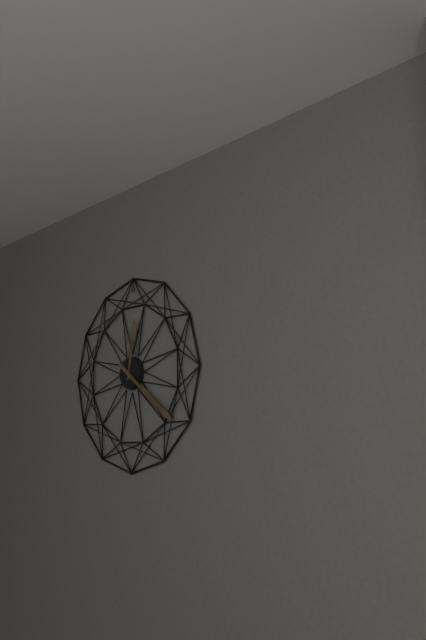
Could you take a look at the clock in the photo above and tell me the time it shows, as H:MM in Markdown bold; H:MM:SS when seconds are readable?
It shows **12:21**
